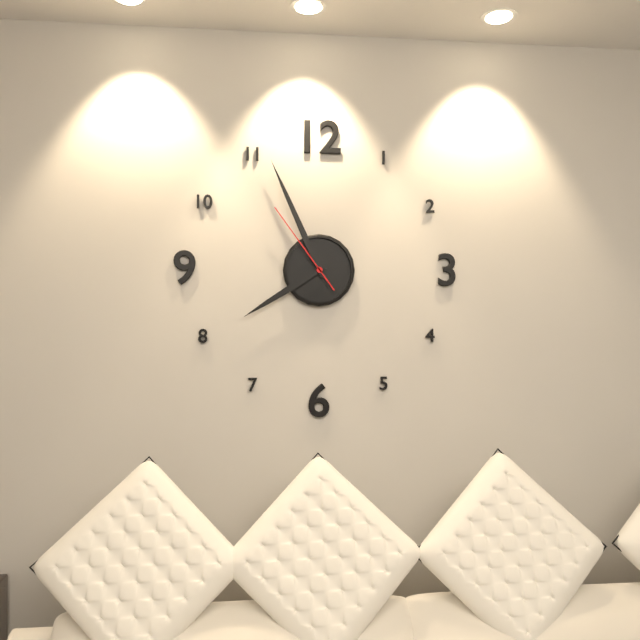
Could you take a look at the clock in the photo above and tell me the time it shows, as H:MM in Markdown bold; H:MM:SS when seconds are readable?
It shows **7:56:54**
